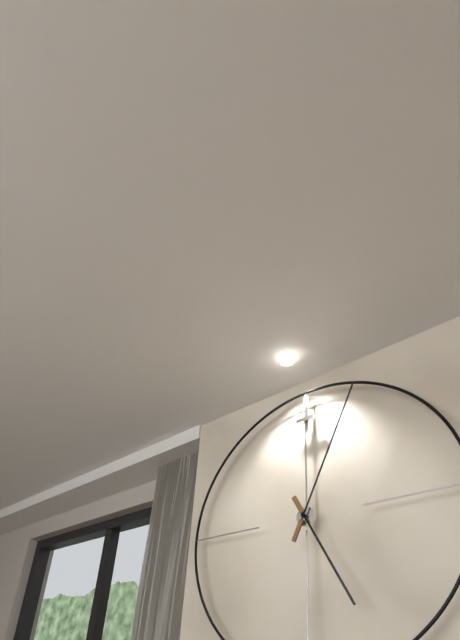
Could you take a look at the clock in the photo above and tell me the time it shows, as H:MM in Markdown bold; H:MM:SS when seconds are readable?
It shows **5:04**
